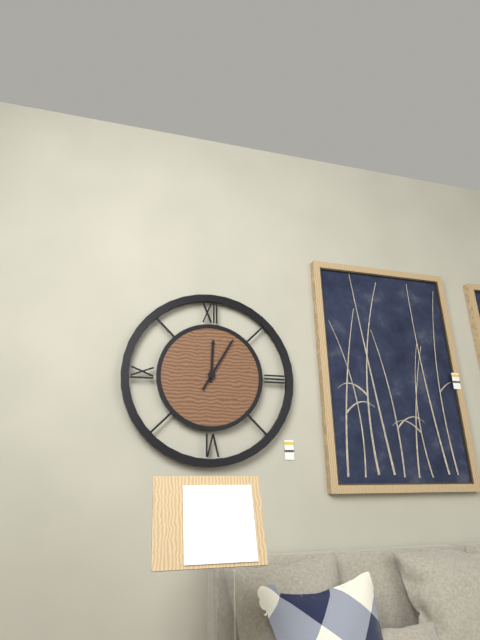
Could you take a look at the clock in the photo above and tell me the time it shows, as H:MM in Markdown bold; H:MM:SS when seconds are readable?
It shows **12:05**
